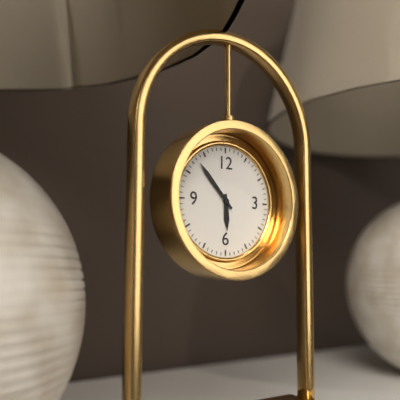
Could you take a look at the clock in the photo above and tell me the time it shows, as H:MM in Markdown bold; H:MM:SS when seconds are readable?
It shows **5:53**
